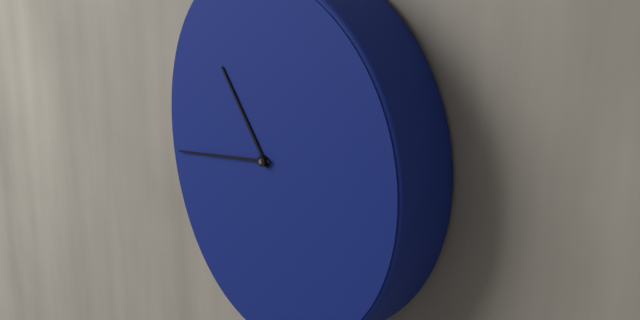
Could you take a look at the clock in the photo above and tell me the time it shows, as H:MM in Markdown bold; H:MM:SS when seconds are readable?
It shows **10:43**
